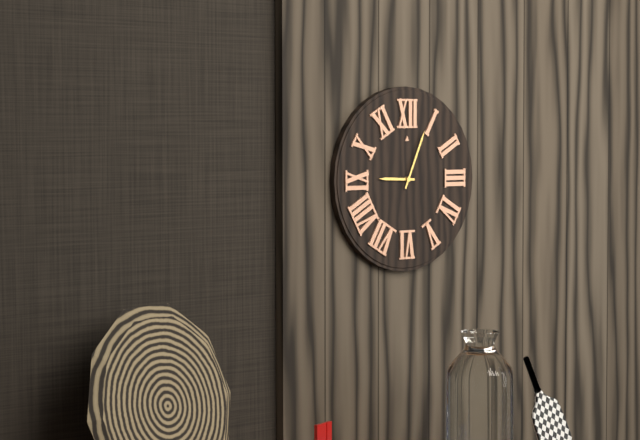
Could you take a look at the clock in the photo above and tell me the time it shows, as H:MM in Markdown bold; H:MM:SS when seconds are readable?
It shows **9:04**
